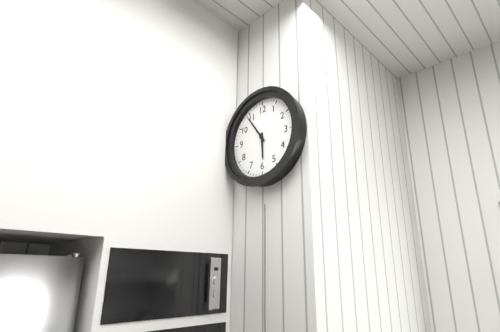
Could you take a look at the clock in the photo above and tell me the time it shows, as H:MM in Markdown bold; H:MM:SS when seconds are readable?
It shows **5:54**
